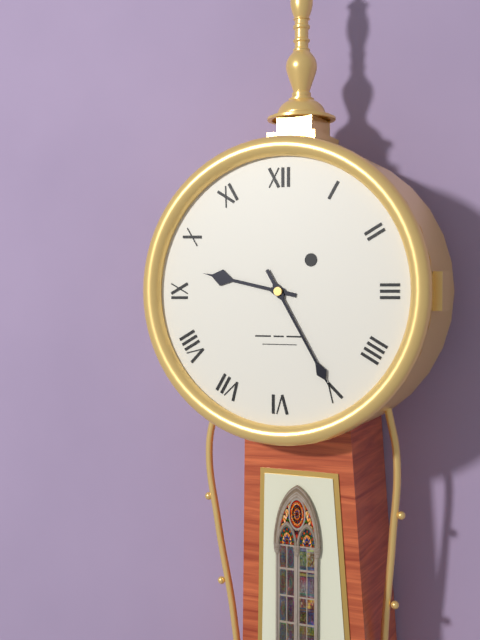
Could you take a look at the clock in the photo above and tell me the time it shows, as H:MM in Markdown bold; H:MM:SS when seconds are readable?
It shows **9:25**
